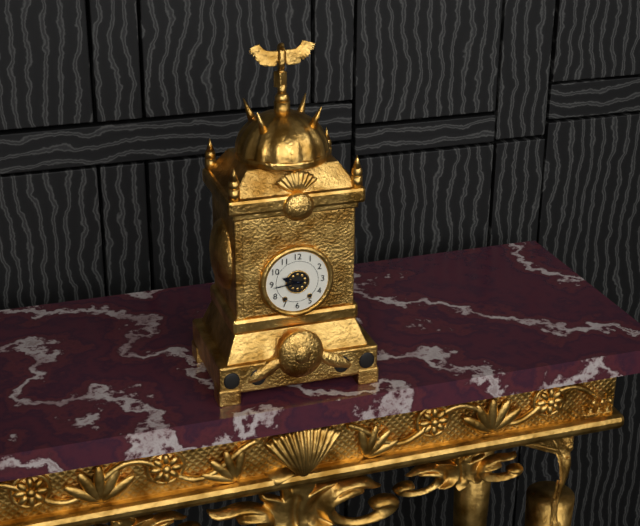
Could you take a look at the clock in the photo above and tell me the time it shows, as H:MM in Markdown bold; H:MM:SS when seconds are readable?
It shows **9:44**
